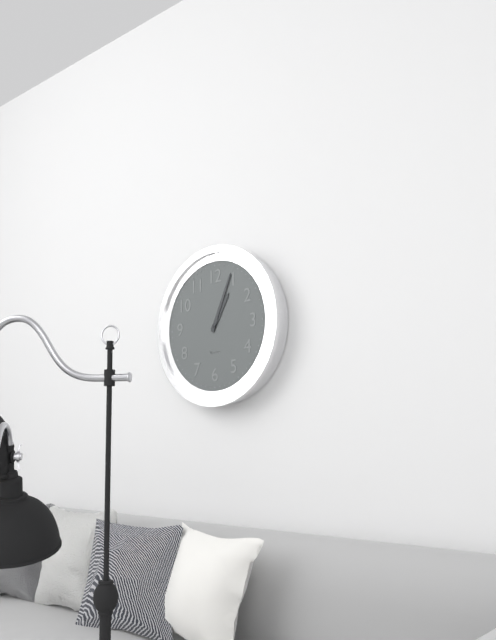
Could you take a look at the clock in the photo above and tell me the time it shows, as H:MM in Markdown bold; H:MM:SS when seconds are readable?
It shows **1:04**
